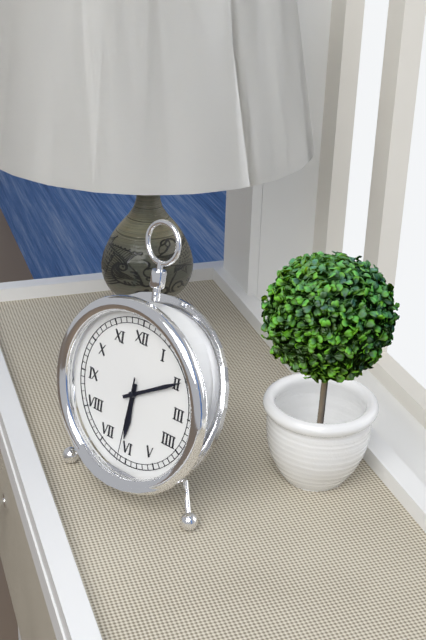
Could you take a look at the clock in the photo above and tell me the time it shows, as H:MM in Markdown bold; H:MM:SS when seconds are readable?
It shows **6:10:31**
